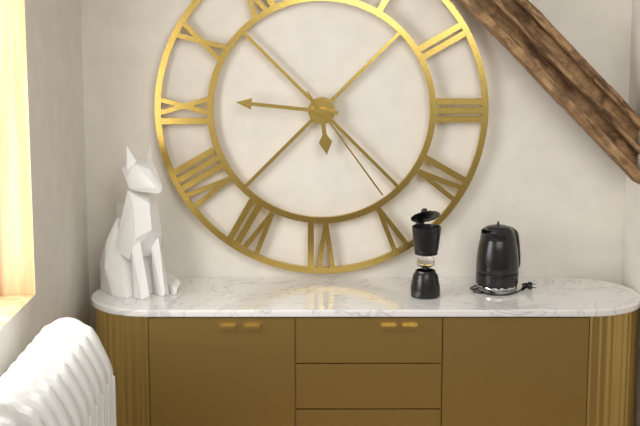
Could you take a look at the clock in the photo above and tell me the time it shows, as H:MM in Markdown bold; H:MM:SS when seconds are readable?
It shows **5:46:24**
